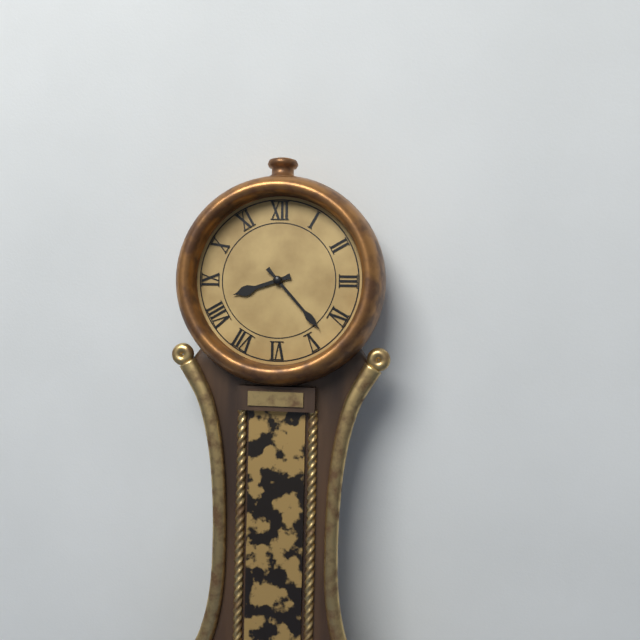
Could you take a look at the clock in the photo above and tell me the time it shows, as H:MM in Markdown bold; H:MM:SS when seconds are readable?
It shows **8:23**
